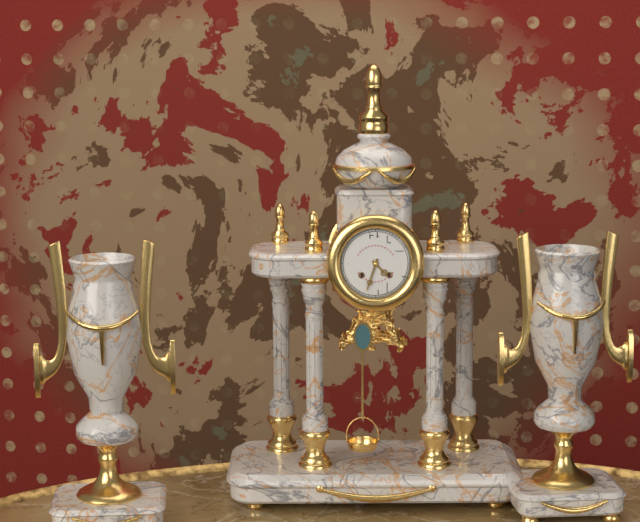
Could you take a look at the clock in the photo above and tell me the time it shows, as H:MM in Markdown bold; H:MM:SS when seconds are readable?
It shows **4:33**
